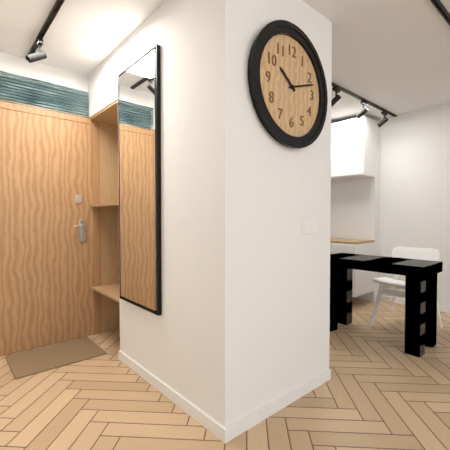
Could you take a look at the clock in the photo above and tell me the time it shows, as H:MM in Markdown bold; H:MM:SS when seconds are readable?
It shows **10:12**
